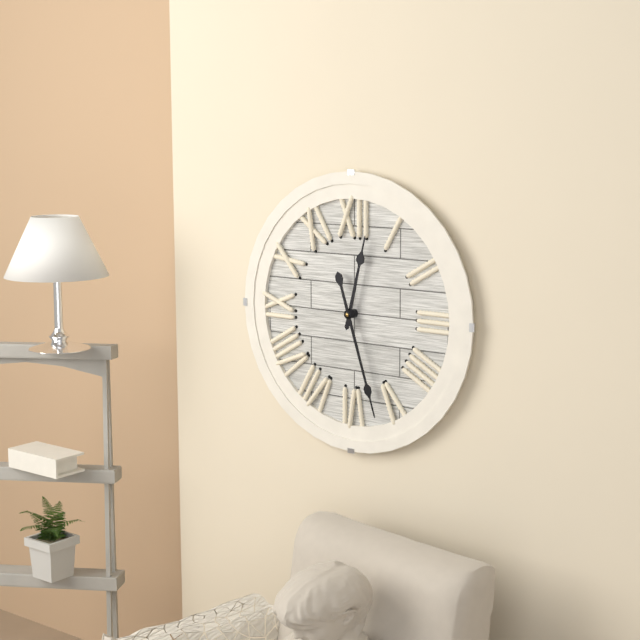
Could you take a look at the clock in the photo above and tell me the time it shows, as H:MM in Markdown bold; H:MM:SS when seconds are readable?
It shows **12:27**
